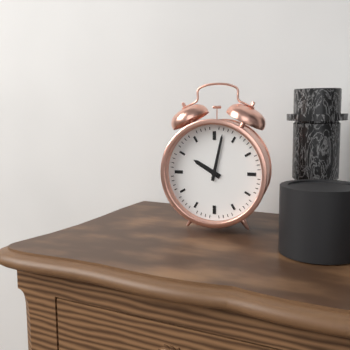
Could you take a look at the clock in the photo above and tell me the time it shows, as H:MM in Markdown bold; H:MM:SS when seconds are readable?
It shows **10:02**
